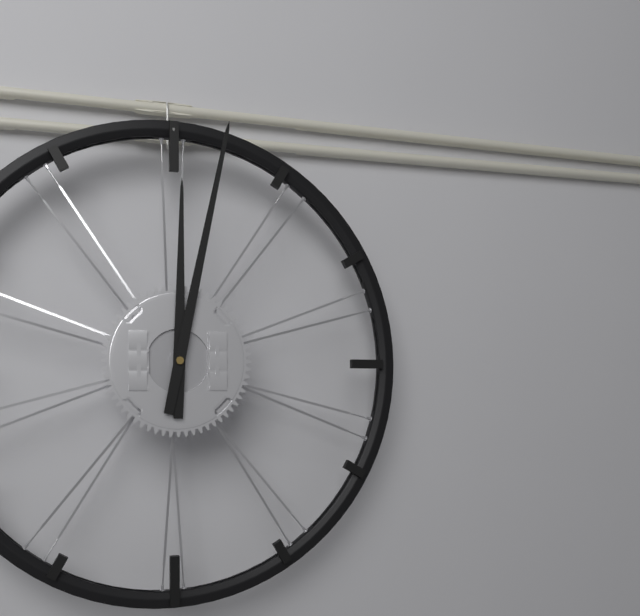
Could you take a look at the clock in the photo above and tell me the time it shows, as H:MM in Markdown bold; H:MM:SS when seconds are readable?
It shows **12:02**
